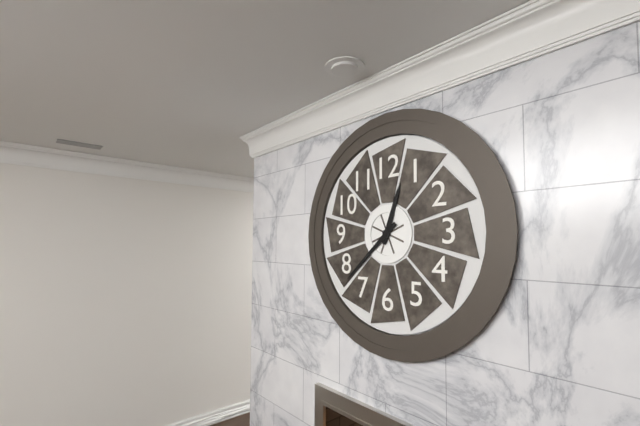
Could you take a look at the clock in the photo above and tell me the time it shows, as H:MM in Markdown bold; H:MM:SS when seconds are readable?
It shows **12:38**
